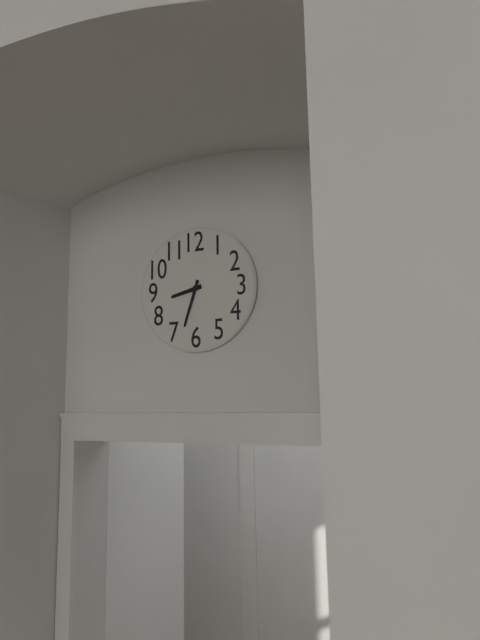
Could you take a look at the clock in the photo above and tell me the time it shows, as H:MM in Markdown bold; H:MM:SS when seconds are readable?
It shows **8:33**
